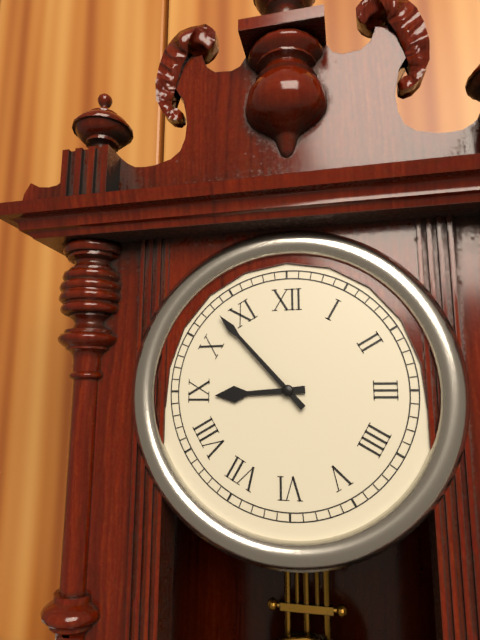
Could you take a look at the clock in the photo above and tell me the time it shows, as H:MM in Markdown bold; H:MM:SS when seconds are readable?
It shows **8:53**
